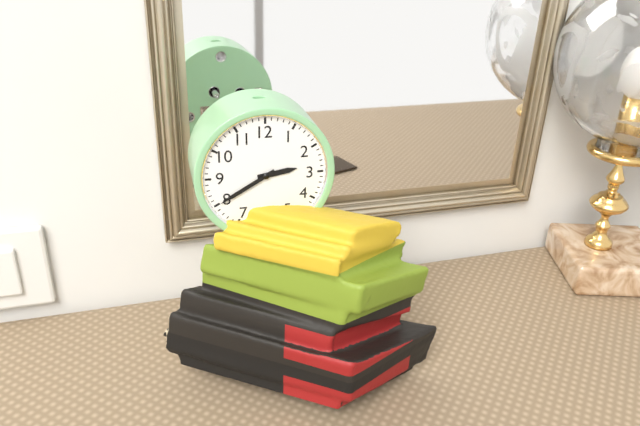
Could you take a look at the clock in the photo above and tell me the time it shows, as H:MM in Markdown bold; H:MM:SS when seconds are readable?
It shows **2:40**
